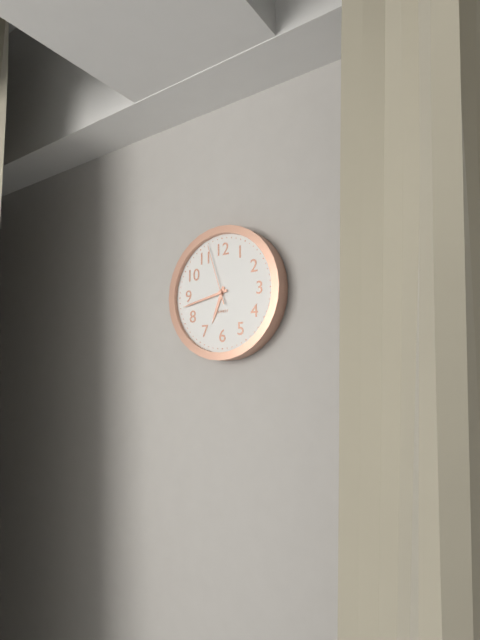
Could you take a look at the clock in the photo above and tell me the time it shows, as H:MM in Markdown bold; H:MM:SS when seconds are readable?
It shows **6:43:57**
